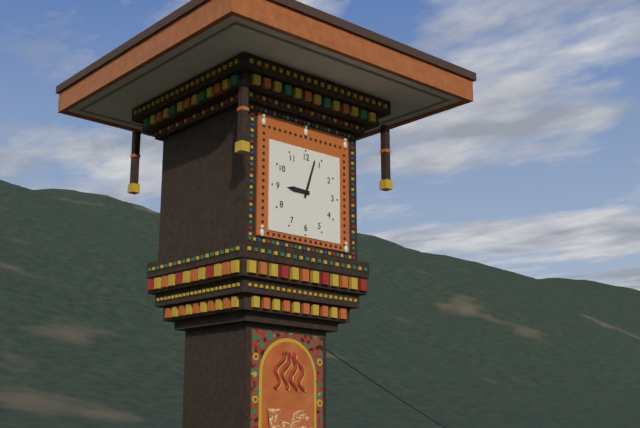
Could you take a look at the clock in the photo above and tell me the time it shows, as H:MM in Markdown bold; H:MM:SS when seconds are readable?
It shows **9:03**
